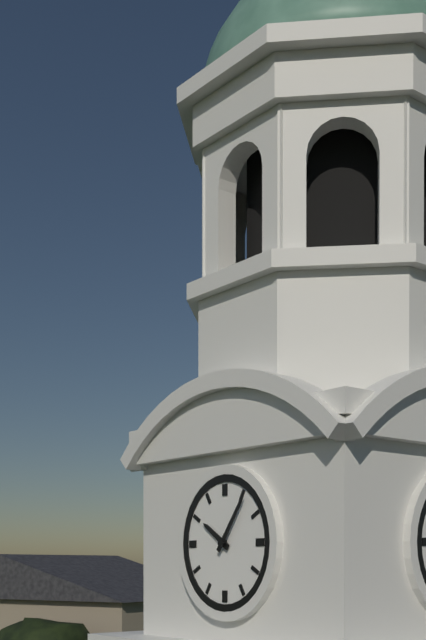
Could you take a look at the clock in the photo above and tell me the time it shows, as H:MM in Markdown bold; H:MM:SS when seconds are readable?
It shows **10:06**
